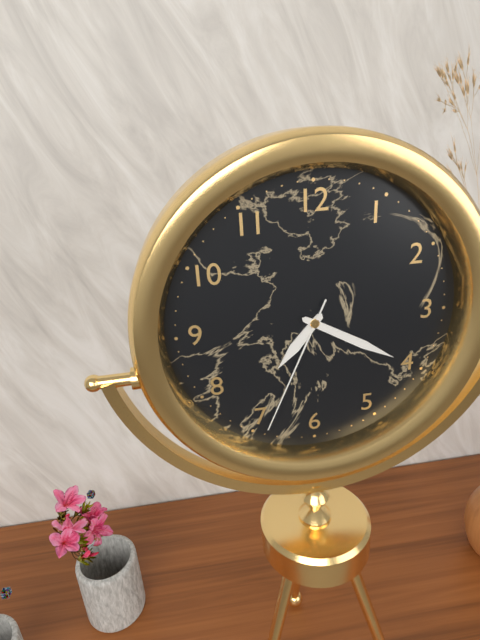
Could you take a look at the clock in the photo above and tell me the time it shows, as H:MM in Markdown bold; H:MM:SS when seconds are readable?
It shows **7:20:34**
